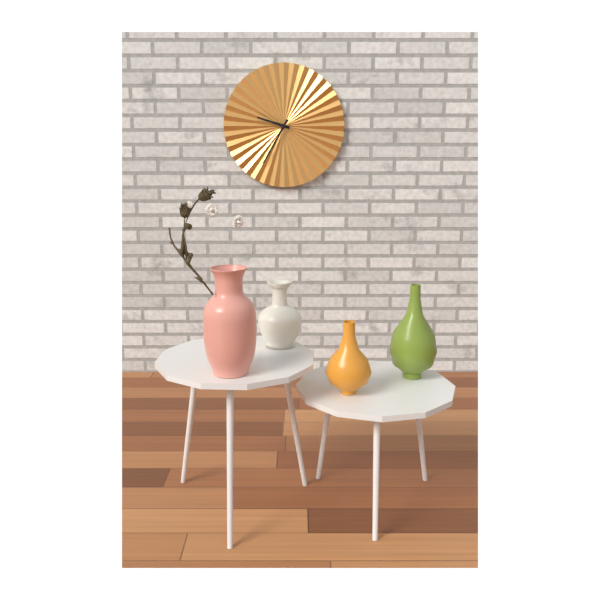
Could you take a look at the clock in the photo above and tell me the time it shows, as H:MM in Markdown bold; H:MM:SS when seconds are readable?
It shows **9:35**
